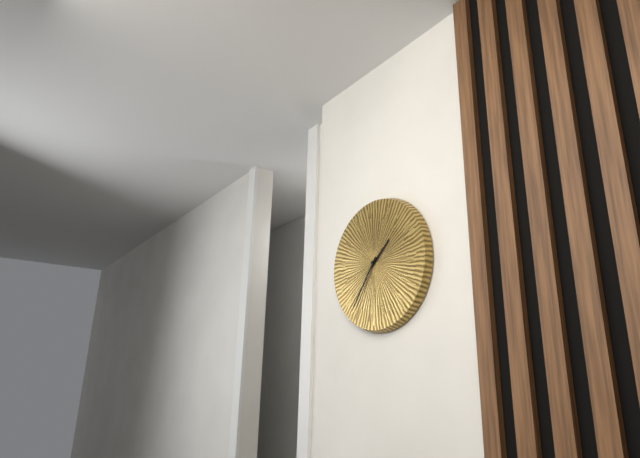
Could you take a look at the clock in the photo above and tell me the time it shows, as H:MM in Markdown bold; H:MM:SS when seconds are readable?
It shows **1:36**
